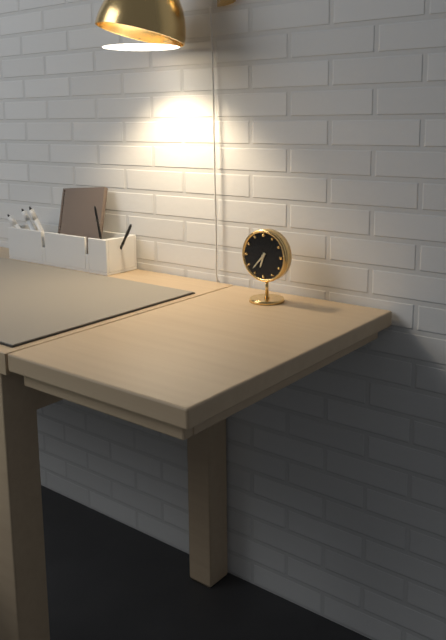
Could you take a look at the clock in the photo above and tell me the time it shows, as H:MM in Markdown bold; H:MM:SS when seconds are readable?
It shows **6:37**
